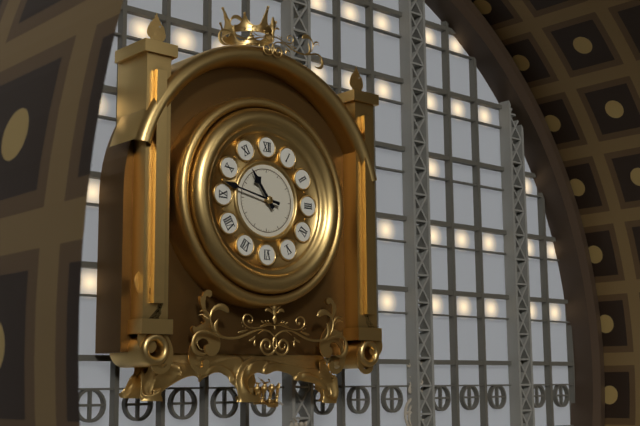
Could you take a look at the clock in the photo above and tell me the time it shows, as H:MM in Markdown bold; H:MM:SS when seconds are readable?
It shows **10:47**
